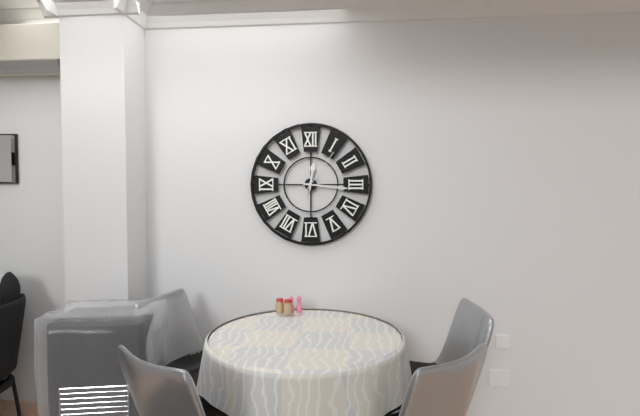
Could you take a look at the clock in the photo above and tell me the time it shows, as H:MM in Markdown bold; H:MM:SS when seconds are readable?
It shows **12:16**
